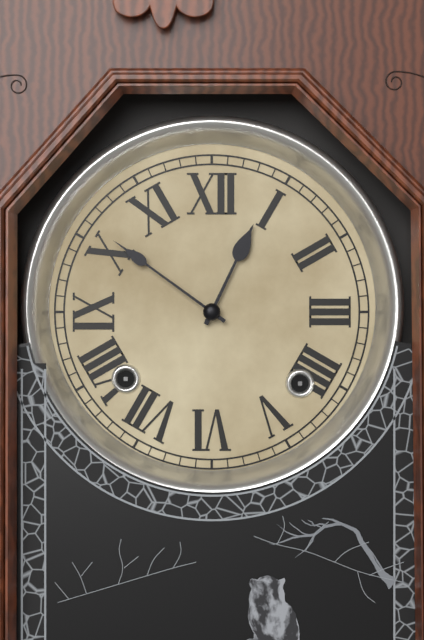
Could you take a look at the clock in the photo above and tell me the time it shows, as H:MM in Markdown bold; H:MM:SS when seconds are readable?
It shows **12:51**
